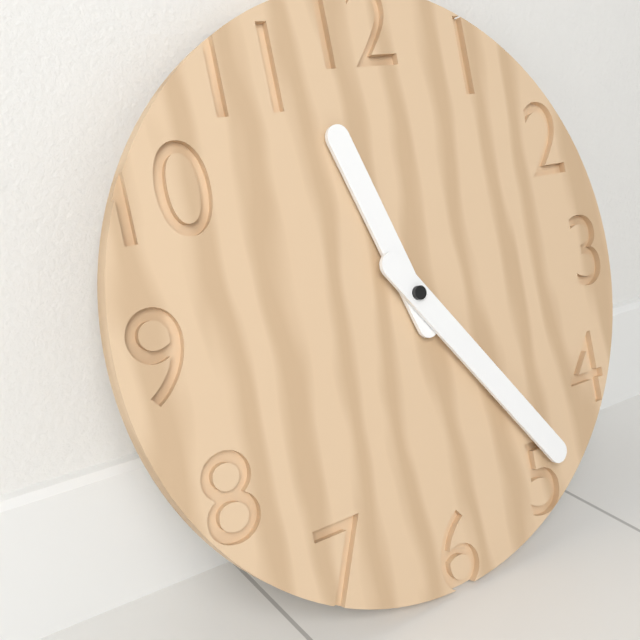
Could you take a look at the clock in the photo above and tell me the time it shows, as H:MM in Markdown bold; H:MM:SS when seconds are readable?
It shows **11:24**
